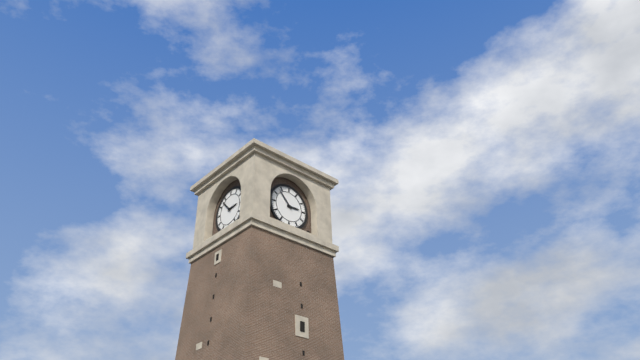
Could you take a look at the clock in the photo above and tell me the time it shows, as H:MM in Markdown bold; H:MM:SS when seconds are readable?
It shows **2:53**
